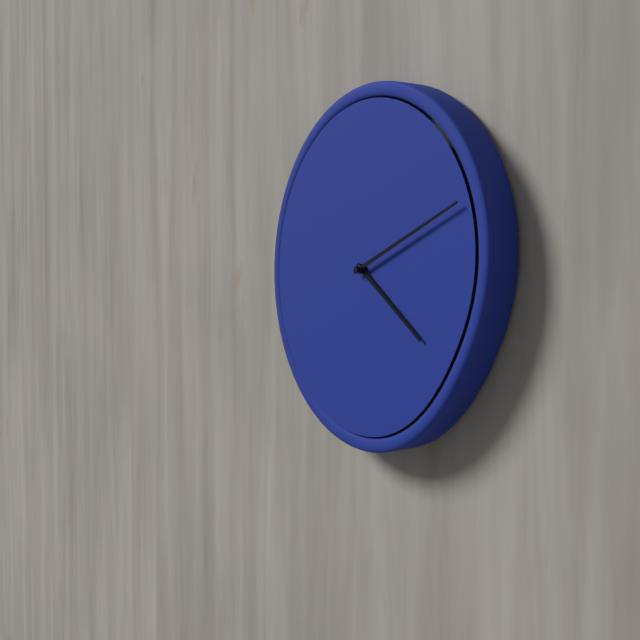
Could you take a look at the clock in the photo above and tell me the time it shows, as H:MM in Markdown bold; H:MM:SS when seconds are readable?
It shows **4:11**
